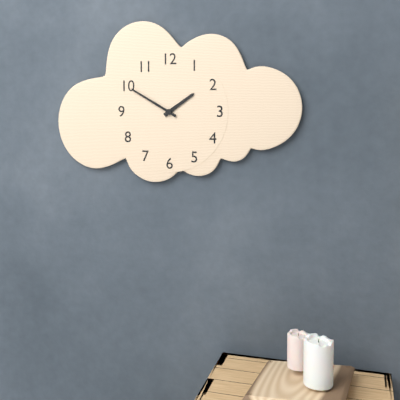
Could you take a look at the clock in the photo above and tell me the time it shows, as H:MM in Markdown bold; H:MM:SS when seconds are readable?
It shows **1:50**
